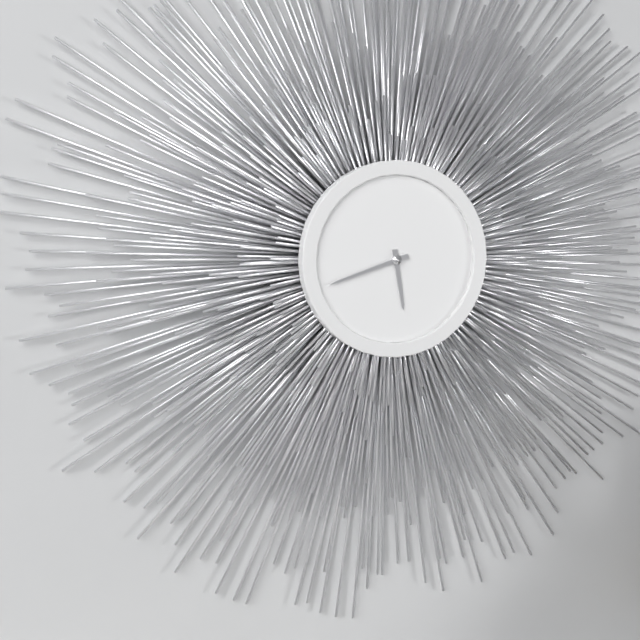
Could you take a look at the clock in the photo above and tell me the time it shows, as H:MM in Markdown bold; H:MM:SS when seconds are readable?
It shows **5:42**
